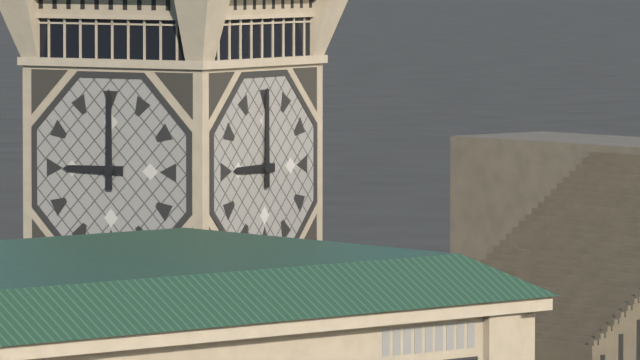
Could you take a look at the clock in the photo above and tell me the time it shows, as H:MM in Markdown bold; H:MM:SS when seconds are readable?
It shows **9:00**
